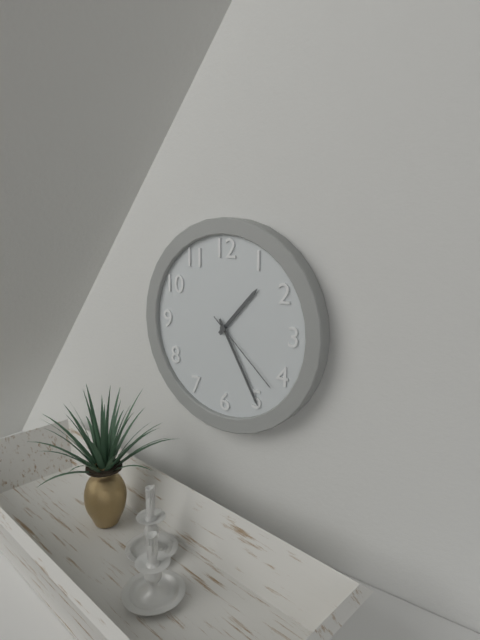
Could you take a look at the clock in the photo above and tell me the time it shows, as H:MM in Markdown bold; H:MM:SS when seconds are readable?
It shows **1:25:22**
